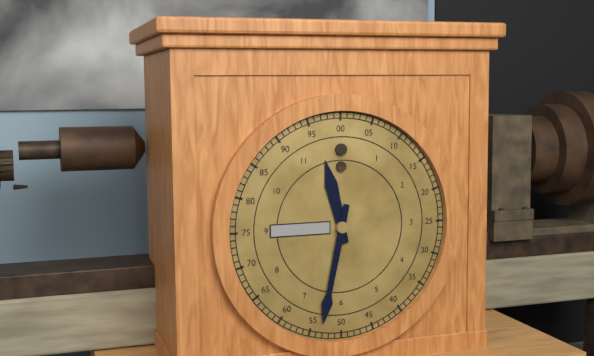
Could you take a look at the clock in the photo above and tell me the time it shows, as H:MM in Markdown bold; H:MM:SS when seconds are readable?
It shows **11:32**
